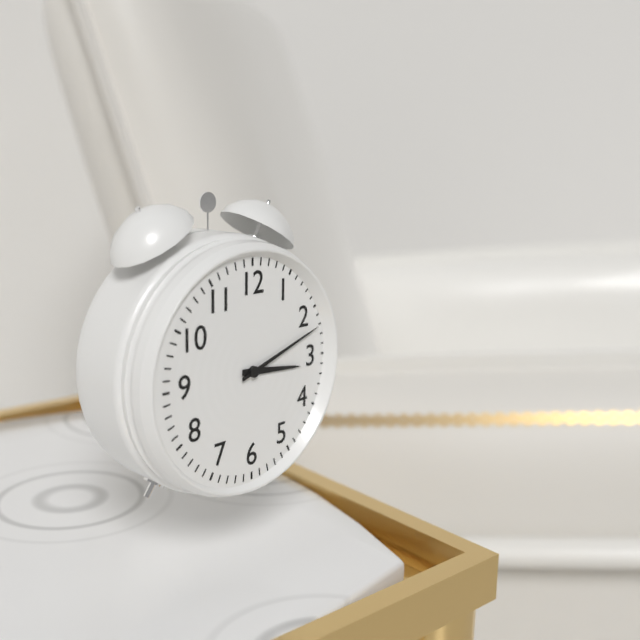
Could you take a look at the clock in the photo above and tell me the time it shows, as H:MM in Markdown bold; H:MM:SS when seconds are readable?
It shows **3:12**
